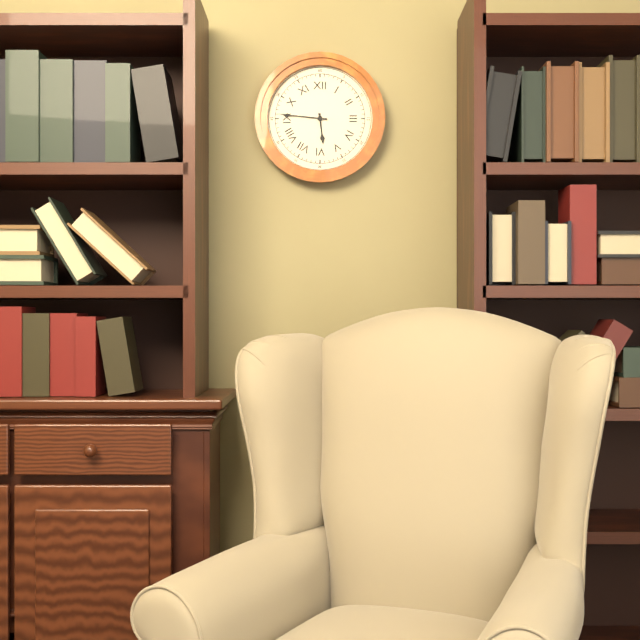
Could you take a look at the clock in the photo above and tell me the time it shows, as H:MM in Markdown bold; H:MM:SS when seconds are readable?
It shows **5:46**
